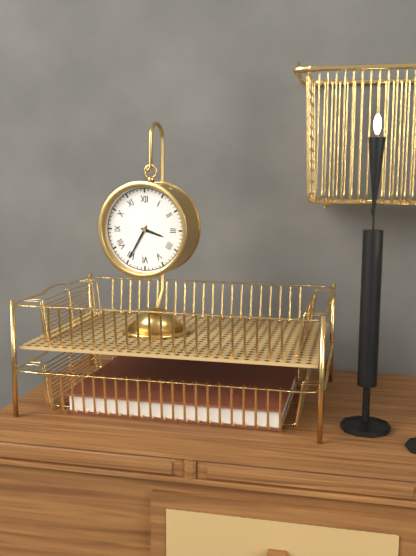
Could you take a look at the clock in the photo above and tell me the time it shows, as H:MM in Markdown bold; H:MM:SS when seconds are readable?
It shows **3:35**
